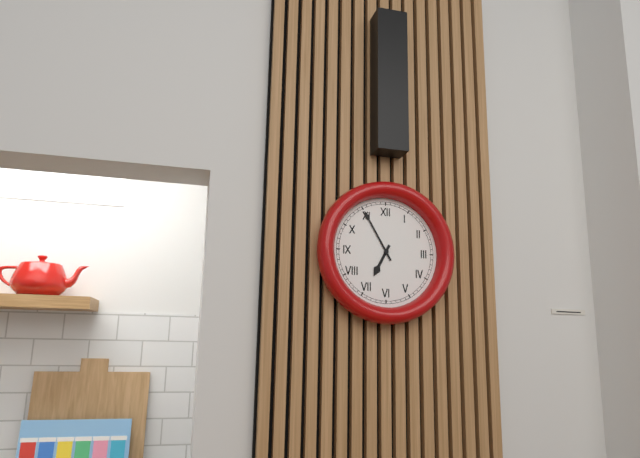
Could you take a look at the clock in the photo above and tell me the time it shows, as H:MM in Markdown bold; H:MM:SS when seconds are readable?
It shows **6:55**
